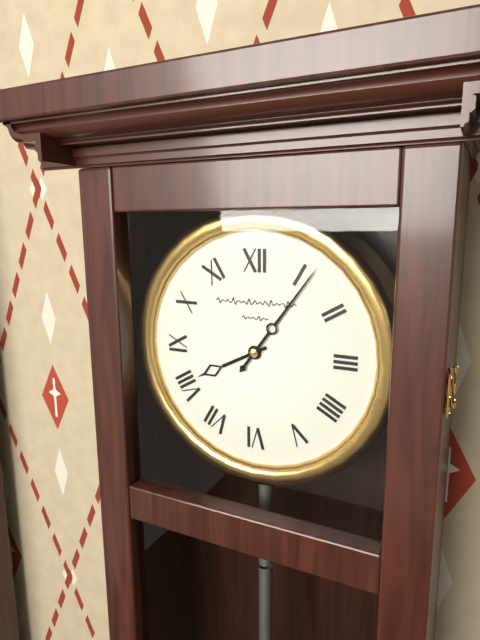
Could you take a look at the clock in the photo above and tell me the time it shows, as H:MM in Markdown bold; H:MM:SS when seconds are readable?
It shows **8:06**
